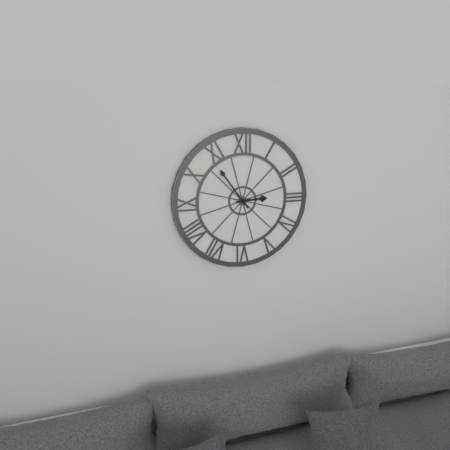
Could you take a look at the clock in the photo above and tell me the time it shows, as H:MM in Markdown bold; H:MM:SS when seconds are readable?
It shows **2:54**
